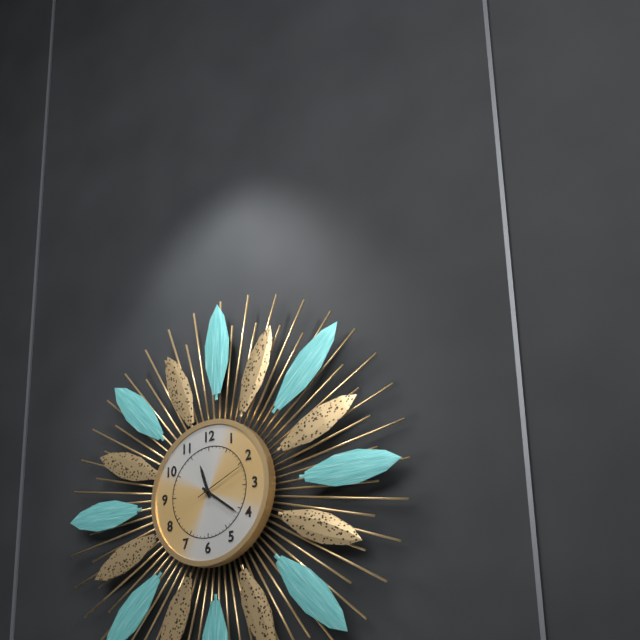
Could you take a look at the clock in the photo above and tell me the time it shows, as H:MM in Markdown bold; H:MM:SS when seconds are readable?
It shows **11:21**
